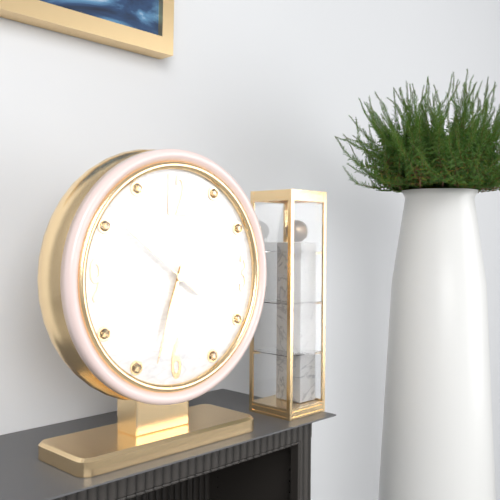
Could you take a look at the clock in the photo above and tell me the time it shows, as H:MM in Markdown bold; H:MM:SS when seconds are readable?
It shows **6:33:51**
